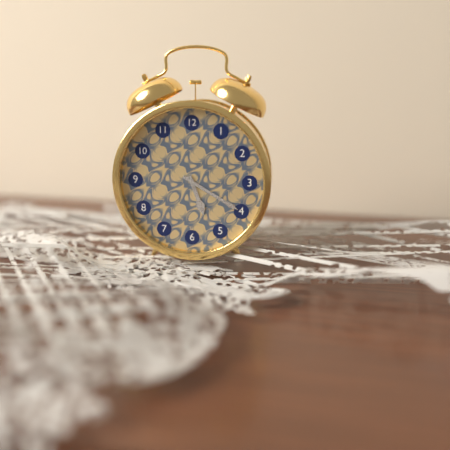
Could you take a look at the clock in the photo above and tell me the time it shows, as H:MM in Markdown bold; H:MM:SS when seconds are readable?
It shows **5:20**
